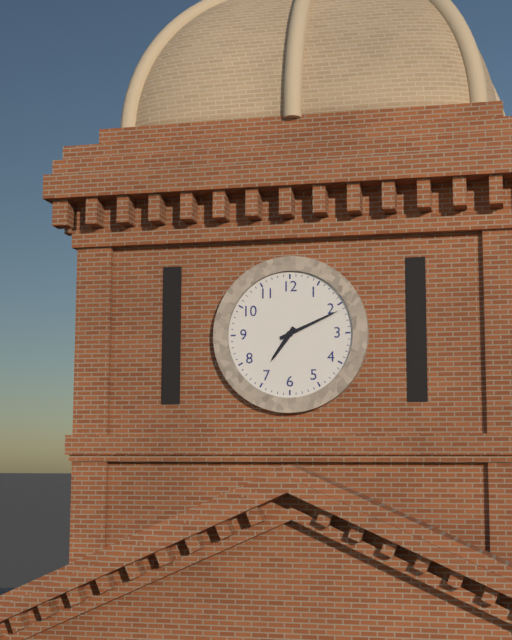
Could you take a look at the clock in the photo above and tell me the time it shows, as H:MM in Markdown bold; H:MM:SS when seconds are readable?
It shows **7:11**
